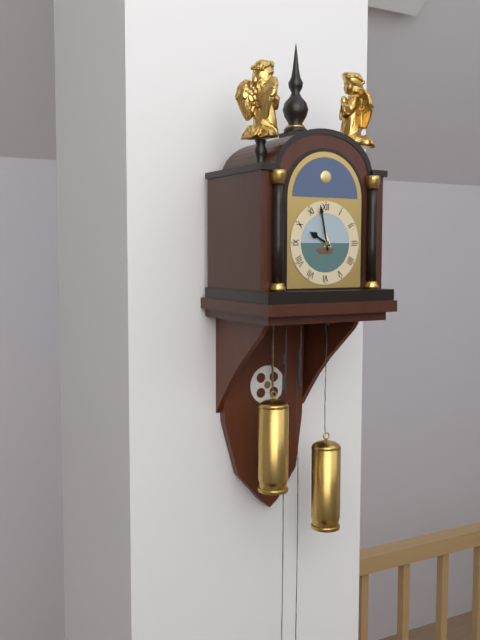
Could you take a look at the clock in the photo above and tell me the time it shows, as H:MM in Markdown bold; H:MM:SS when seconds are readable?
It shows **9:58**
